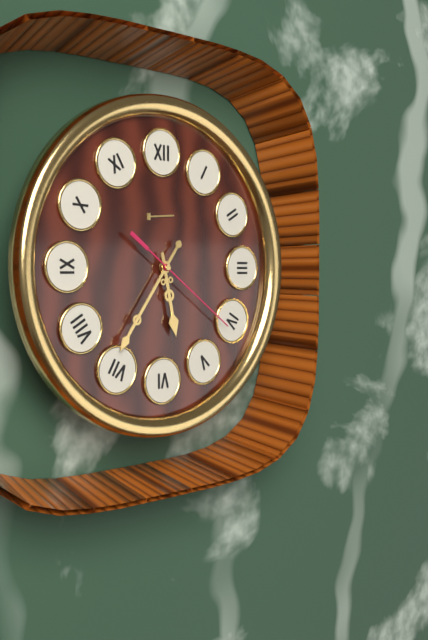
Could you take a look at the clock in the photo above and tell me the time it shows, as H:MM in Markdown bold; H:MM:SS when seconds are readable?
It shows **5:36:21**
